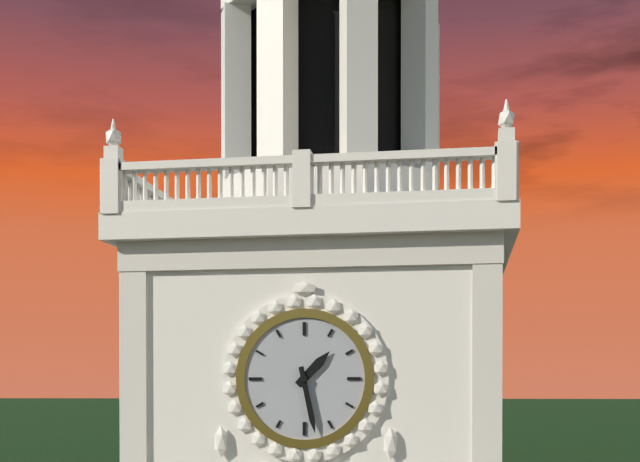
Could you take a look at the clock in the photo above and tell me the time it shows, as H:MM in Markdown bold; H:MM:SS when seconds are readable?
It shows **1:28**
